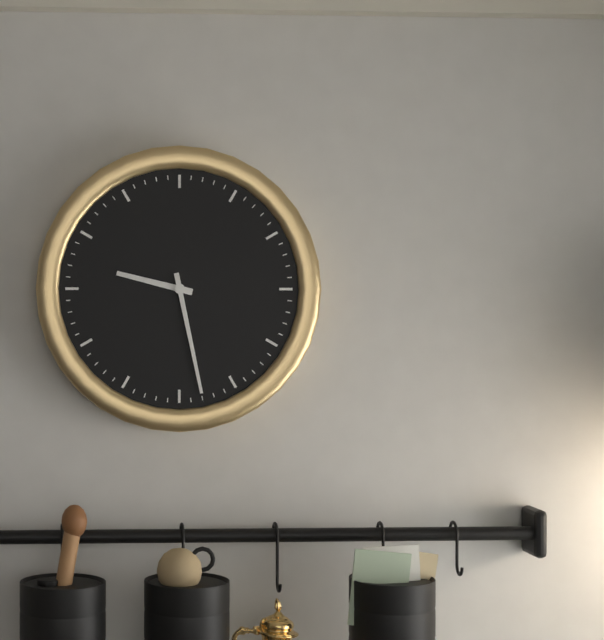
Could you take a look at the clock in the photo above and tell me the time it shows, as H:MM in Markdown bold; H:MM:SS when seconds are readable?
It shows **9:28**
